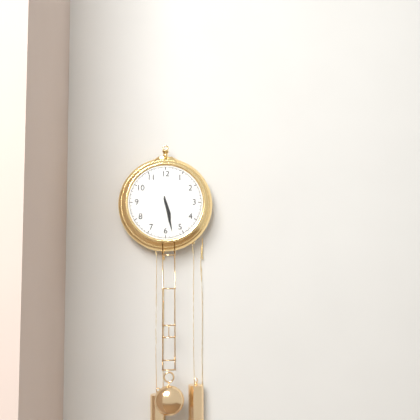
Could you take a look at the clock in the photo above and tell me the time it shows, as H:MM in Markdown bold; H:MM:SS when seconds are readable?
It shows **5:28**
